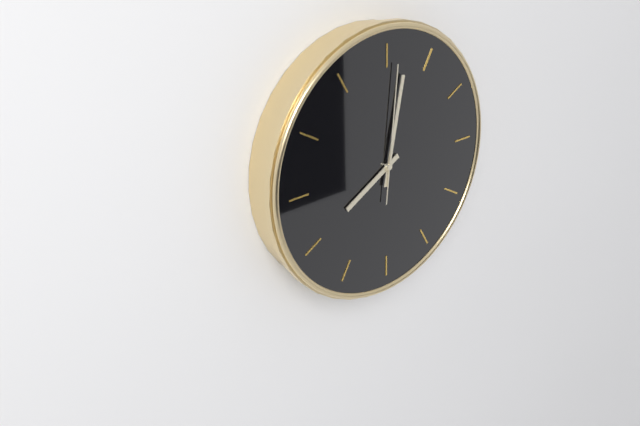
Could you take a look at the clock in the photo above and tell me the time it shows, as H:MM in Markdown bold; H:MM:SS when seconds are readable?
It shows **8:02:01**
